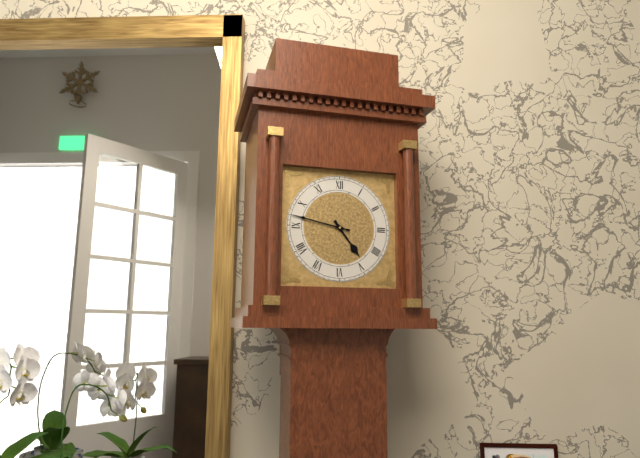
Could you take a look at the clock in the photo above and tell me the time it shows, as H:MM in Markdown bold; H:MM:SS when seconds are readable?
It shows **4:47**
